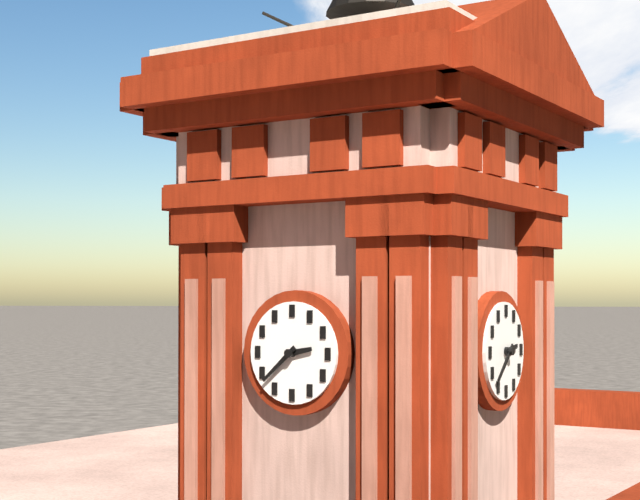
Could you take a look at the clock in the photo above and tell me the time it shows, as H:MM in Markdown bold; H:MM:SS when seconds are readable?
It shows **2:38**
